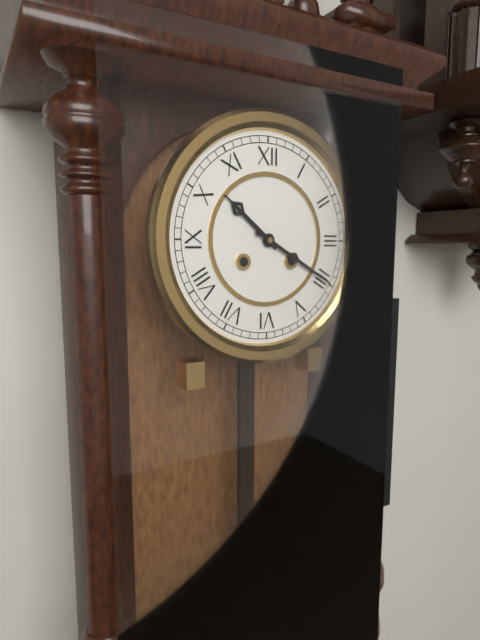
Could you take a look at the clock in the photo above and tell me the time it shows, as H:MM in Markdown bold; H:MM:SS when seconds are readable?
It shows **10:20**
